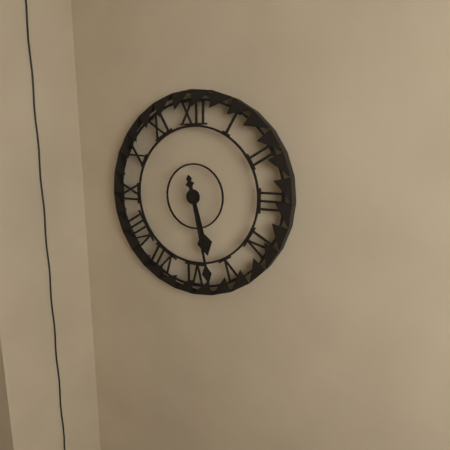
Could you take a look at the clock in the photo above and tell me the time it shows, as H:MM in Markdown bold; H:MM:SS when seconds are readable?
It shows **5:28**
